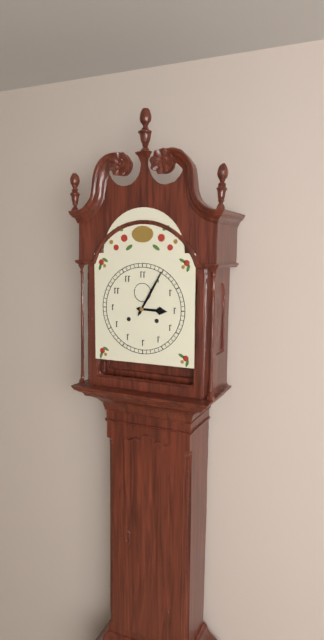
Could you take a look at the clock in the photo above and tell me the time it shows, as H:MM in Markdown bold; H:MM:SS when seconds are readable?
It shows **3:05**
